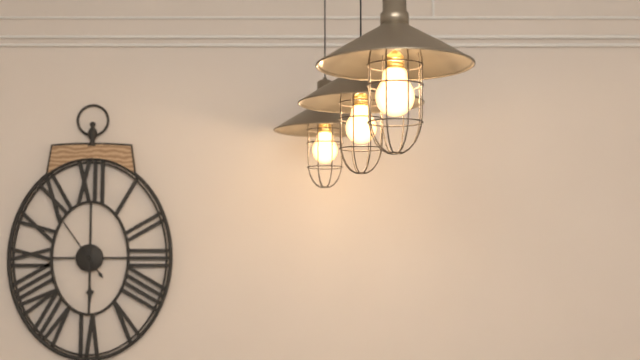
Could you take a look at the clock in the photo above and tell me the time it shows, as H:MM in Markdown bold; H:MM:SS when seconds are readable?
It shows **5:54**
